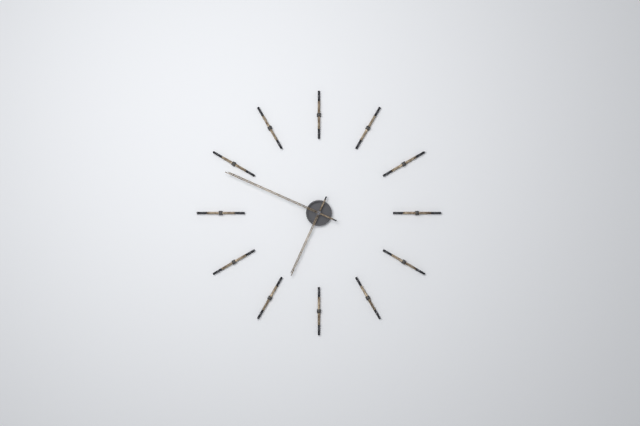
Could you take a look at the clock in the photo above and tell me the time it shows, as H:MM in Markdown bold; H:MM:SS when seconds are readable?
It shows **6:49**
